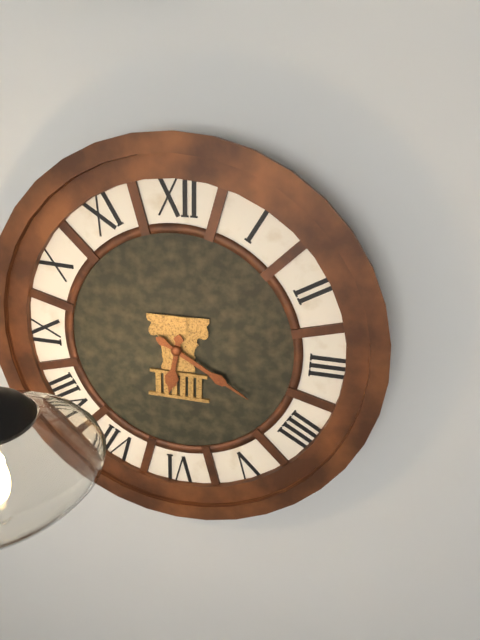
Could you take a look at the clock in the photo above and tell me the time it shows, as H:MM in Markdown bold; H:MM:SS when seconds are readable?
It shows **6:20**
